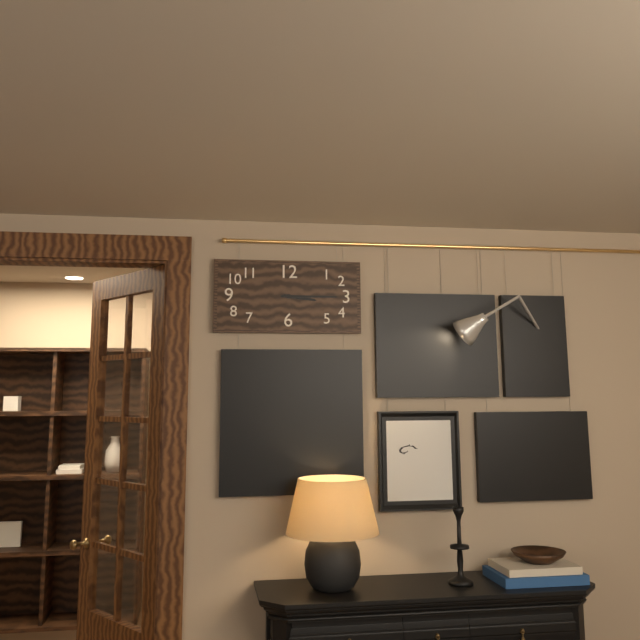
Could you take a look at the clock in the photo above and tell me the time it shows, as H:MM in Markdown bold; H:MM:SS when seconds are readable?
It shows **3:15**
